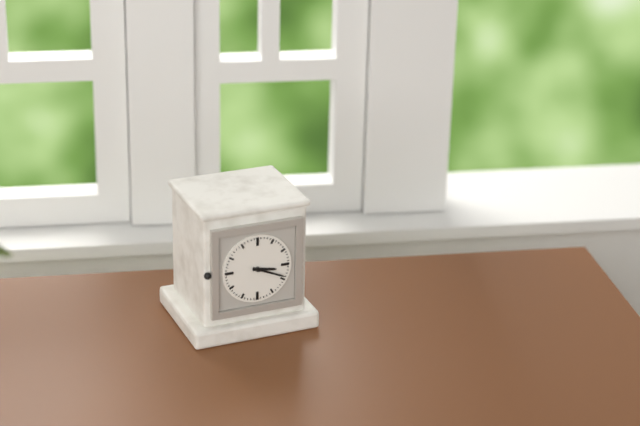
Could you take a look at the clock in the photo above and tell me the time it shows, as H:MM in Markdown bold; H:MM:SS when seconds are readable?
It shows **3:19**
